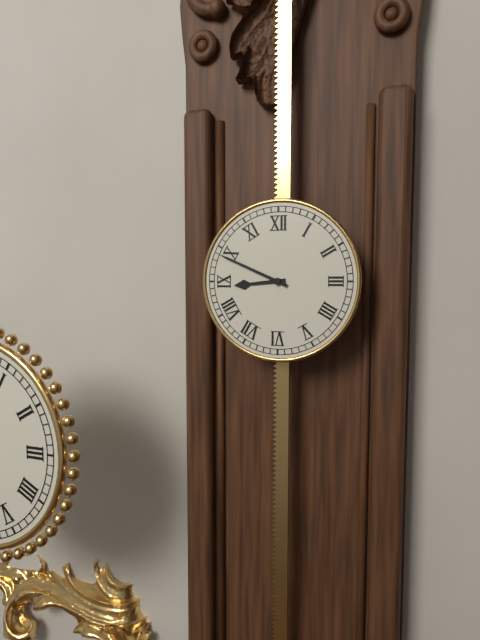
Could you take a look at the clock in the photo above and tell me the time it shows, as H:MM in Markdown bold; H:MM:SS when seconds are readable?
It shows **8:49**
